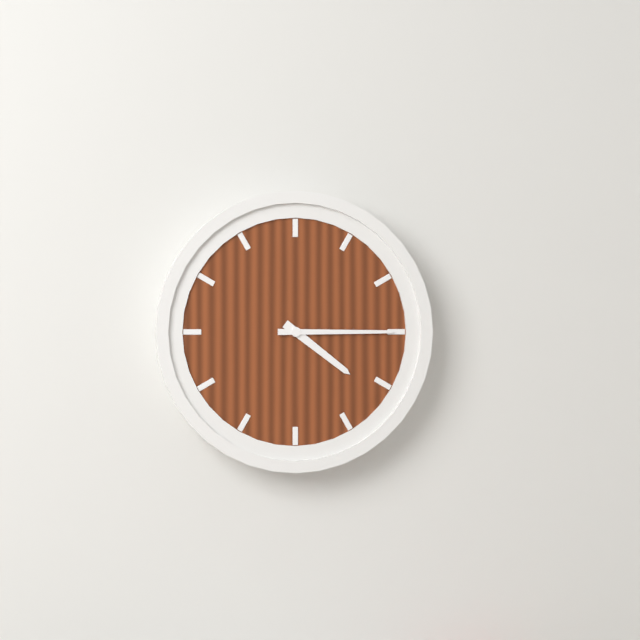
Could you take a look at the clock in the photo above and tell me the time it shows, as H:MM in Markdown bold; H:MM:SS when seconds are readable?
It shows **4:15**
